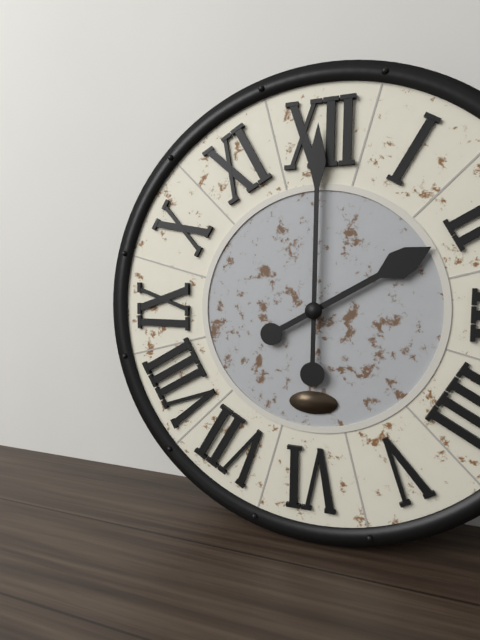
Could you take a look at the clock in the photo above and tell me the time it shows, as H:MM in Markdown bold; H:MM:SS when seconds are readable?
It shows **2:00**
